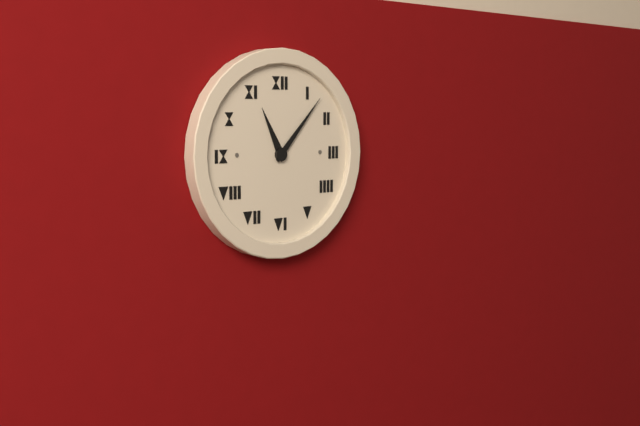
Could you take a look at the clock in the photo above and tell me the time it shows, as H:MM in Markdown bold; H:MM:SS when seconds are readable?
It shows **11:07**
